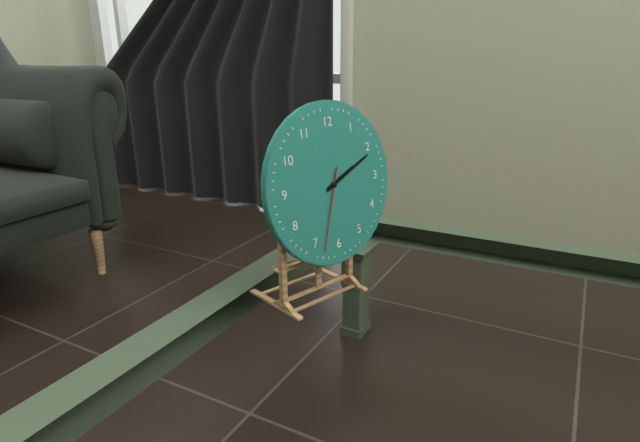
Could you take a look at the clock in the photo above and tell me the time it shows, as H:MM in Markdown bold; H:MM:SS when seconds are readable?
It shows **2:11:33**
